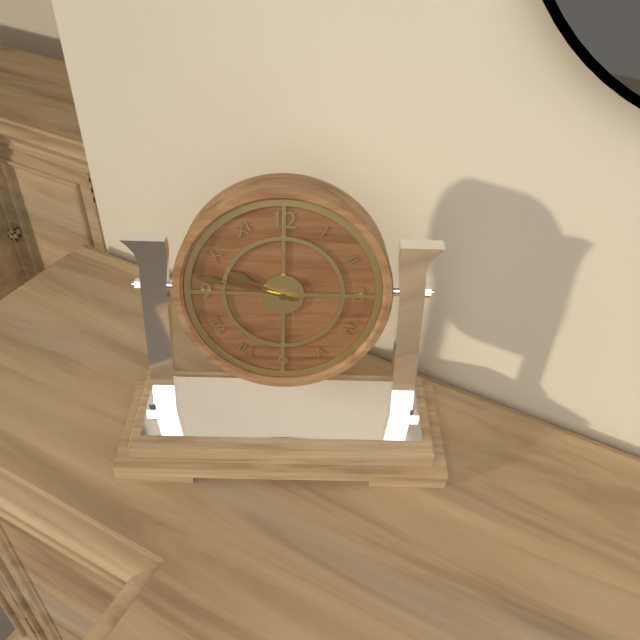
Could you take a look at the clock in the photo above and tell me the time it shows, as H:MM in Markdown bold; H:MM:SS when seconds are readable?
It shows **9:47**
